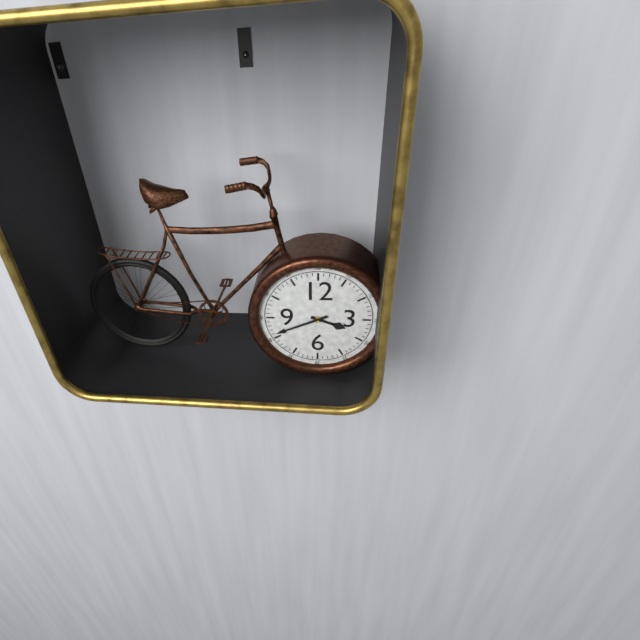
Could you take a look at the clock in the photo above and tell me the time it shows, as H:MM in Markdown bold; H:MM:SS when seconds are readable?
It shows **3:41**
